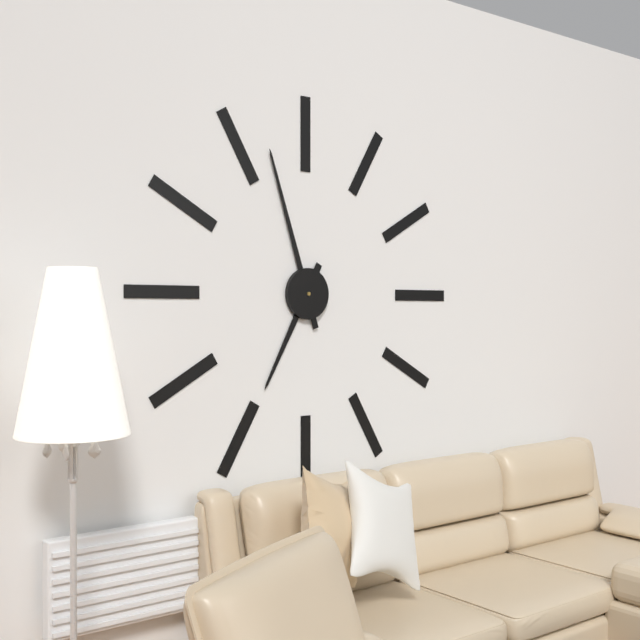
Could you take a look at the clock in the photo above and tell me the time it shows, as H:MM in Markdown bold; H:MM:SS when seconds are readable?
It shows **6:57**
